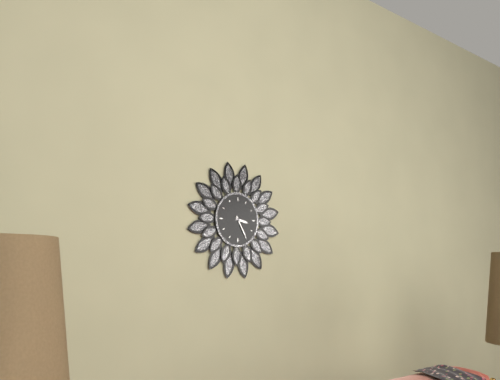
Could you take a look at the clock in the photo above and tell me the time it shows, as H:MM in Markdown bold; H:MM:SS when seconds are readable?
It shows **3:25**
